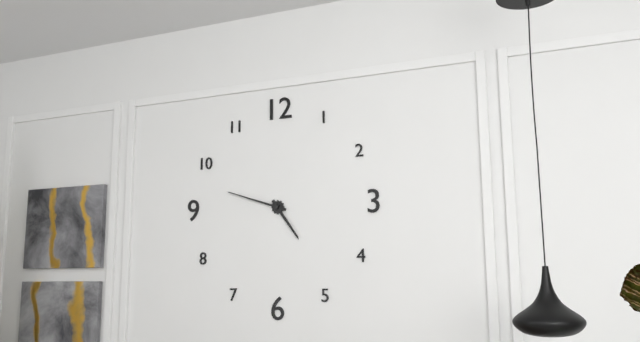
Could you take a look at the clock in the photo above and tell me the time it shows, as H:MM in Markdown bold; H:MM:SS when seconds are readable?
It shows **4:48**
